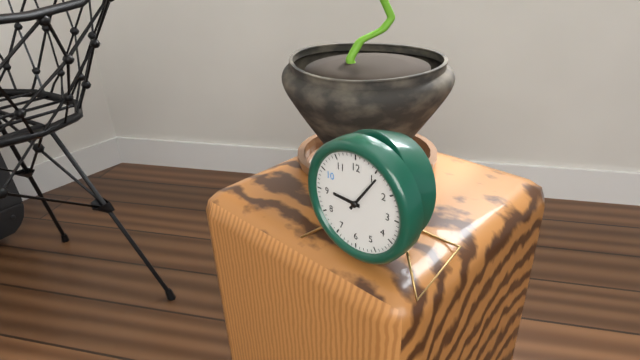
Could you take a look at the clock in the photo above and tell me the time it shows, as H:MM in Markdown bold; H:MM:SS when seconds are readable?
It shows **9:06**
